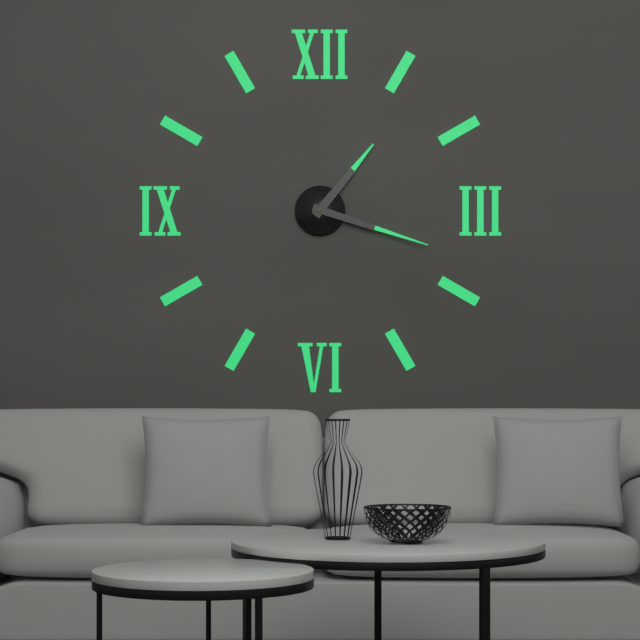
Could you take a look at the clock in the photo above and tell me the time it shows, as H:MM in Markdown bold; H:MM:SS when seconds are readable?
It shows **1:18**
